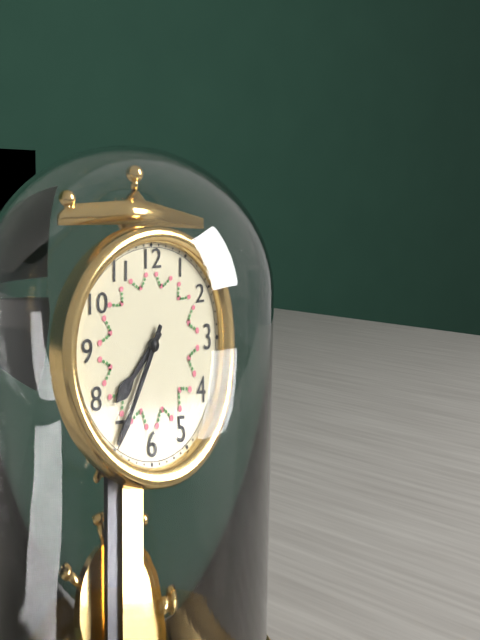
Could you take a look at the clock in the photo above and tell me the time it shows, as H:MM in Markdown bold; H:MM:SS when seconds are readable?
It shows **7:35**
